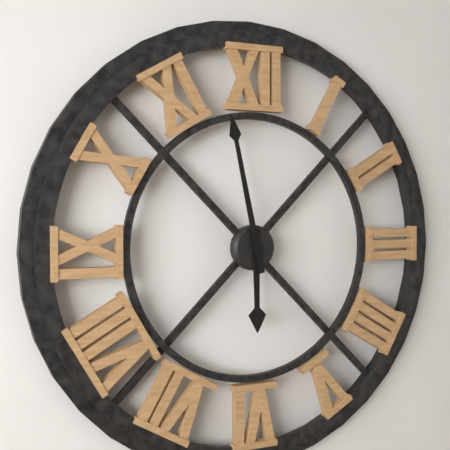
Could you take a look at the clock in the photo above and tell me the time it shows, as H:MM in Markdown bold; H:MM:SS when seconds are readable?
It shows **5:58**
